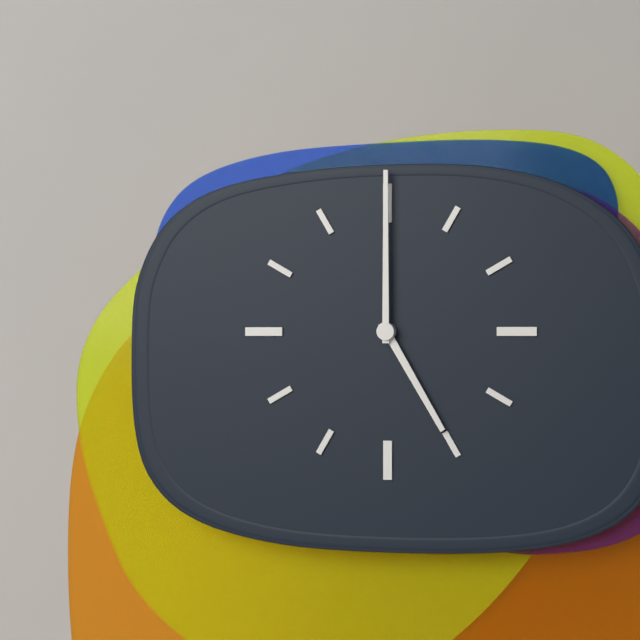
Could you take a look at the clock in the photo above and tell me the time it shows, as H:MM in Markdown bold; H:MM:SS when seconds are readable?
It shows **5:00**
